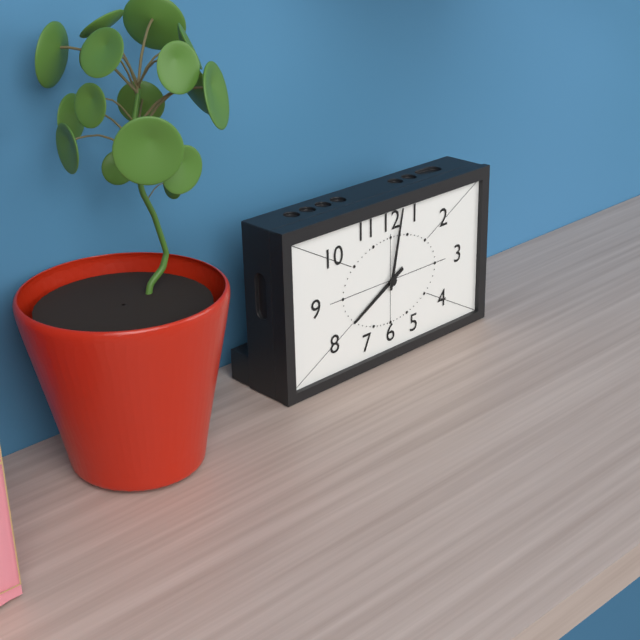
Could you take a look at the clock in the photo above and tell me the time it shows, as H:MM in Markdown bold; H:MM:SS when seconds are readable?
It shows **8:02**
